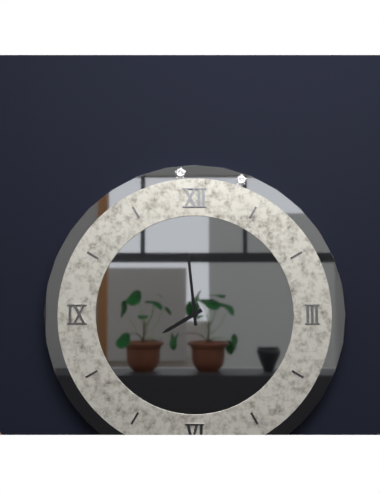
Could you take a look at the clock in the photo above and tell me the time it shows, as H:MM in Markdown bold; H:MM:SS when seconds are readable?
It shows **7:59**
